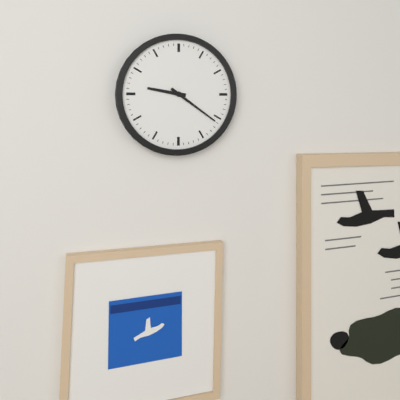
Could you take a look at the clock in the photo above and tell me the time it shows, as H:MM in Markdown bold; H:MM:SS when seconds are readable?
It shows **9:21**
